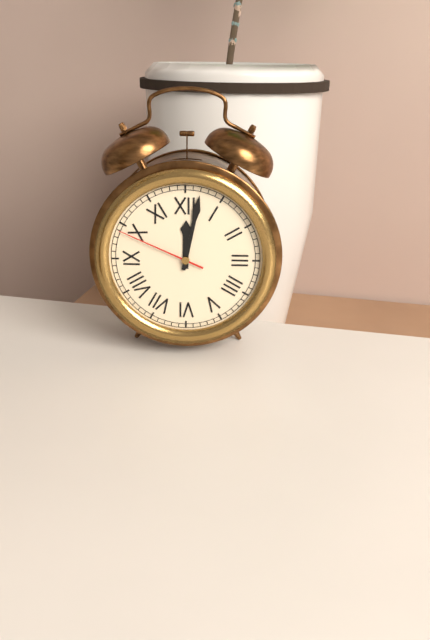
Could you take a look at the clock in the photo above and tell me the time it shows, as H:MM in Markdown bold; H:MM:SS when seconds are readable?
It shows **12:02:49**
